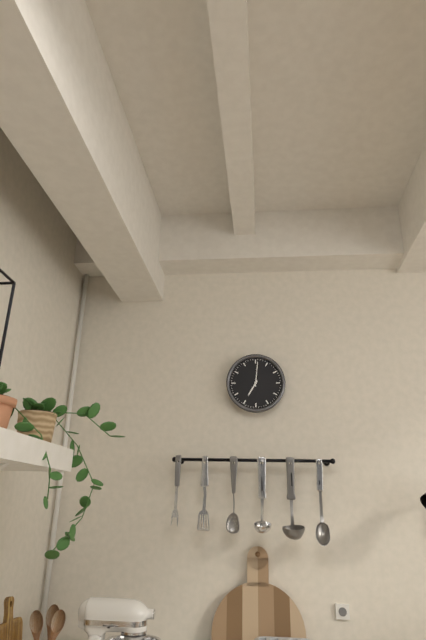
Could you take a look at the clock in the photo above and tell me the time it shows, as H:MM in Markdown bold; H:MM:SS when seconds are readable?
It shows **7:01**
